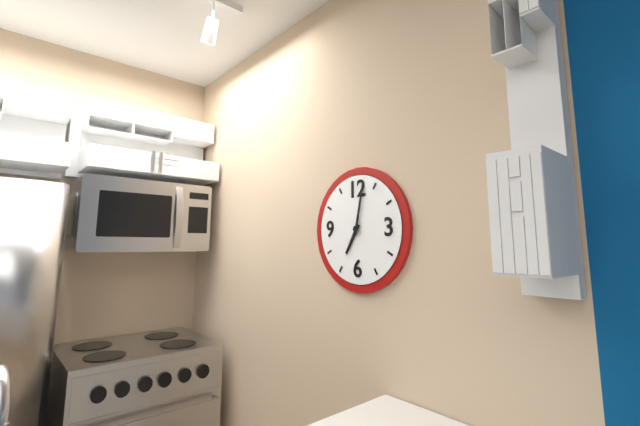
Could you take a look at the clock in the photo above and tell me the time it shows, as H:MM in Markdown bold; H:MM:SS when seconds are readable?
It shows **7:02**
